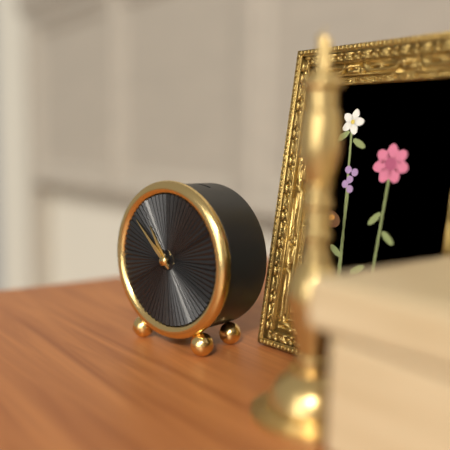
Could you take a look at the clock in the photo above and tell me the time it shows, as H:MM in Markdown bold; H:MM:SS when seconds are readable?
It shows **10:52**
